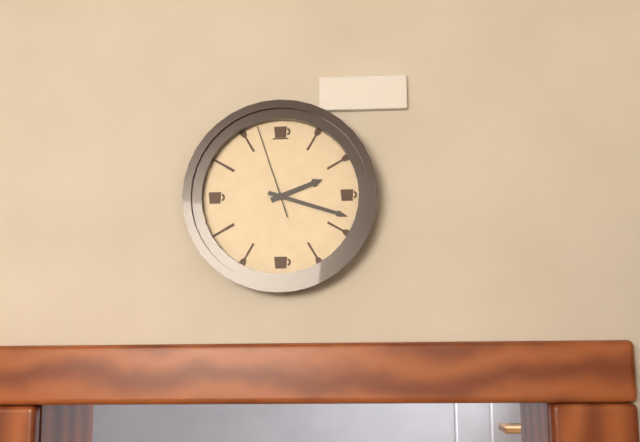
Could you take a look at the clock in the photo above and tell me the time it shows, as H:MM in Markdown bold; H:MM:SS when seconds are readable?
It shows **2:18:57**
